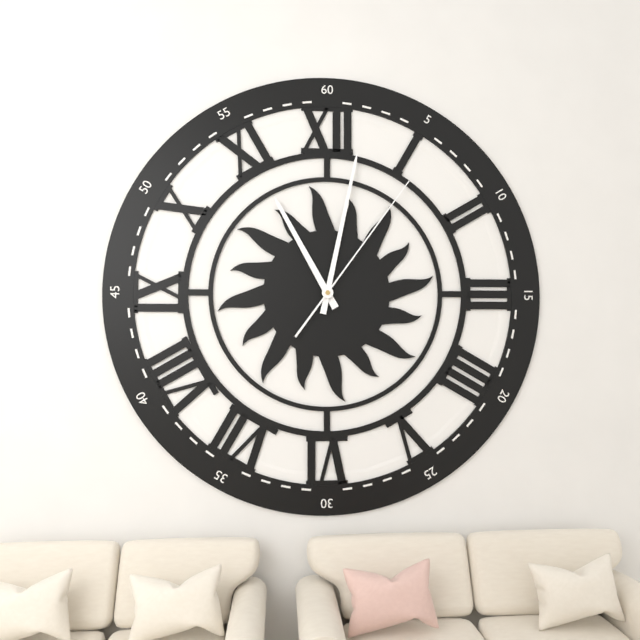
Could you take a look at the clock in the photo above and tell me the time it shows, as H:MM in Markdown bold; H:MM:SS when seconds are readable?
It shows **11:02:06**
